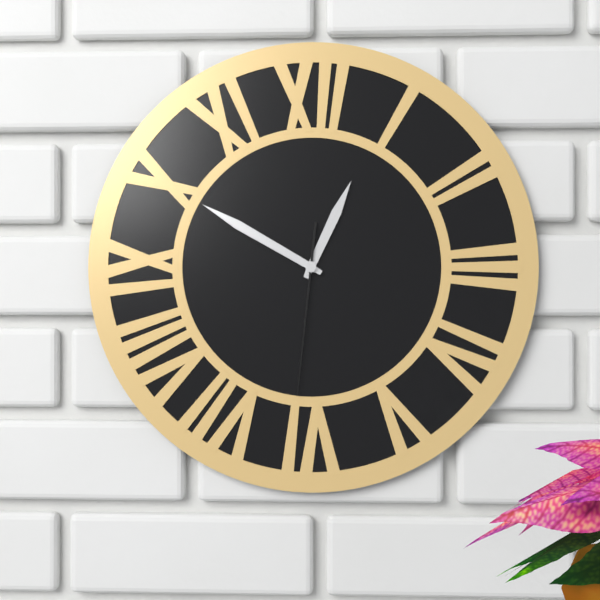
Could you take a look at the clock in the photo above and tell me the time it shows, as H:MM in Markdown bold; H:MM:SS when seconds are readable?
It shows **12:50:31**
